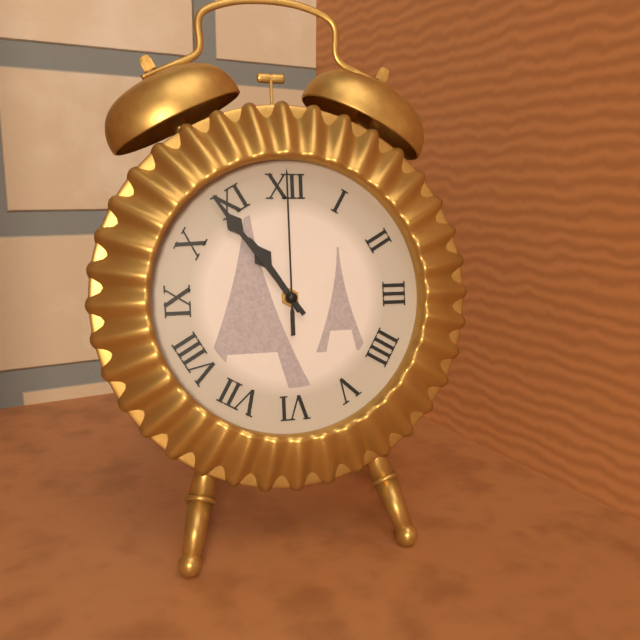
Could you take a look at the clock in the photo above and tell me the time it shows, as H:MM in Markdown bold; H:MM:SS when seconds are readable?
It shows **10:54:00**
